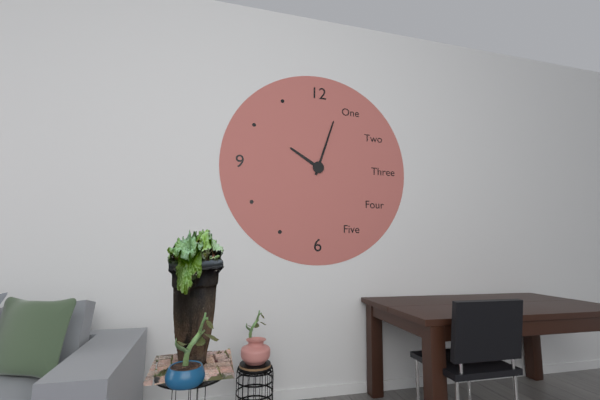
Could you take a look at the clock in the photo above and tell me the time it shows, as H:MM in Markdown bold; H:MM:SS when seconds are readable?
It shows **10:03**
